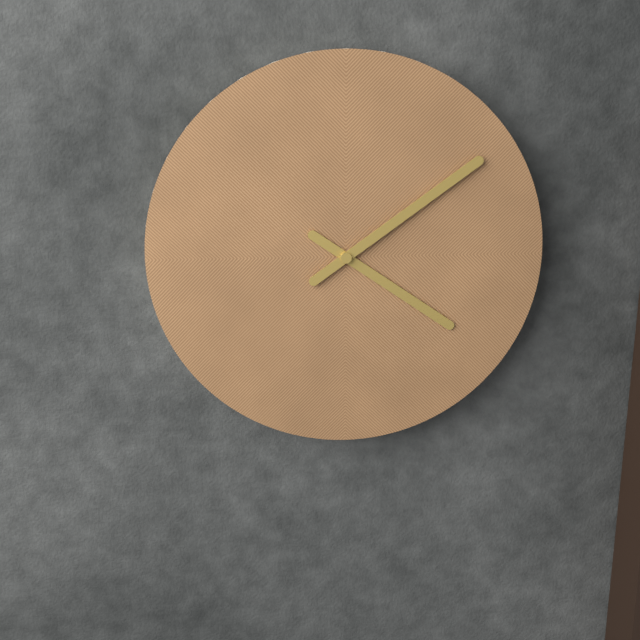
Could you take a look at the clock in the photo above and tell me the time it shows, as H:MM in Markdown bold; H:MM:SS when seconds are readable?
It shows **4:09**
